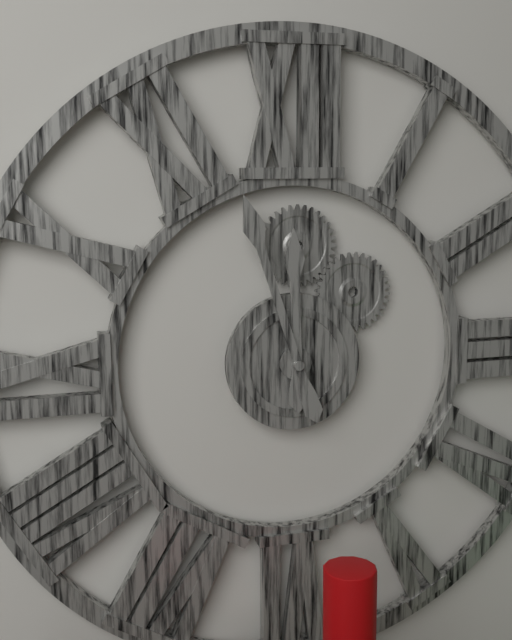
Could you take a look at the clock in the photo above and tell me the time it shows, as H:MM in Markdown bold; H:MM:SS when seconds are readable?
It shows **11:57**
